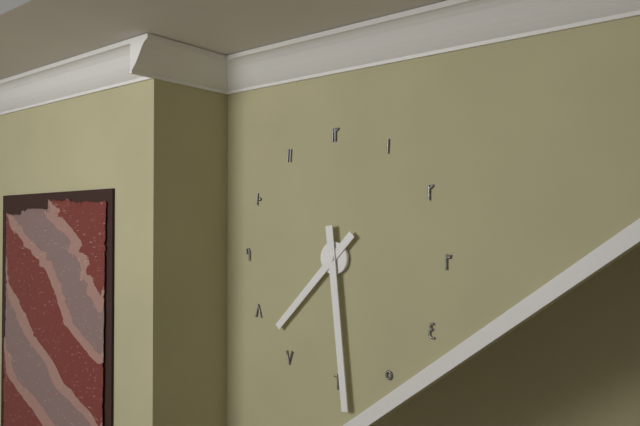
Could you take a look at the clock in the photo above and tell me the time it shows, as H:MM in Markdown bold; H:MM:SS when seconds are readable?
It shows **7:29**
